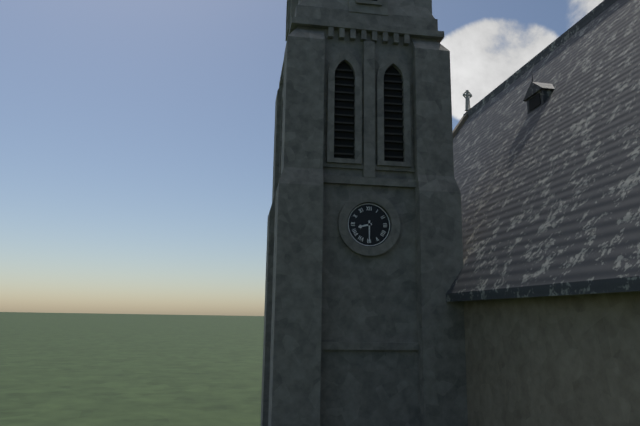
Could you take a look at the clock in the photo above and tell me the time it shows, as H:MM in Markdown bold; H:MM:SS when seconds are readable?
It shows **8:30**
